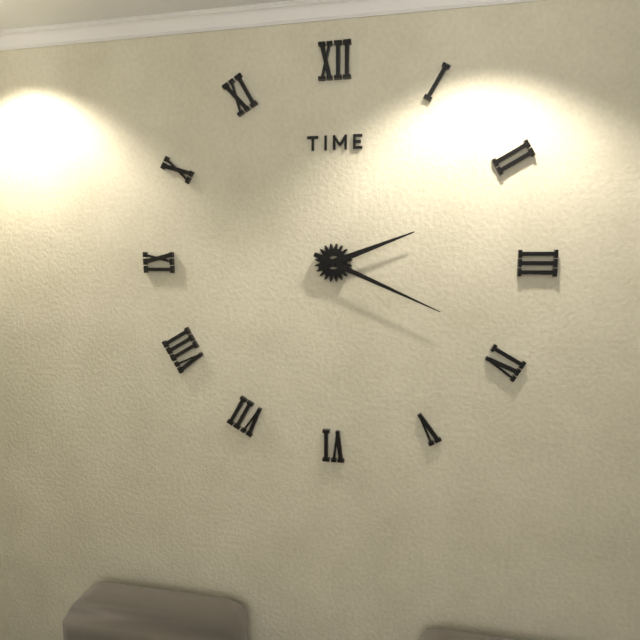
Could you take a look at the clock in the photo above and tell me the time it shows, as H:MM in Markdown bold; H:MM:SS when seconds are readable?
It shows **2:19**
